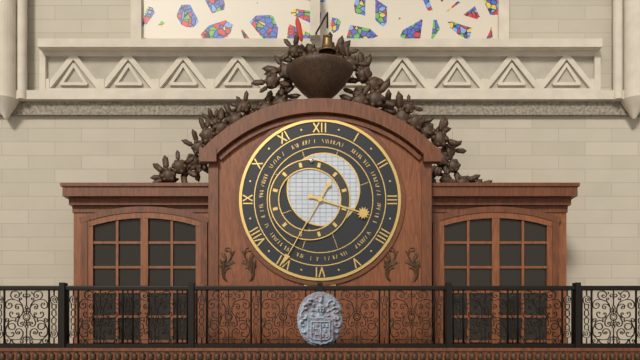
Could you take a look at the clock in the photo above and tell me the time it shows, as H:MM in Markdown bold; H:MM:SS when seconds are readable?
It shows **3:35**
